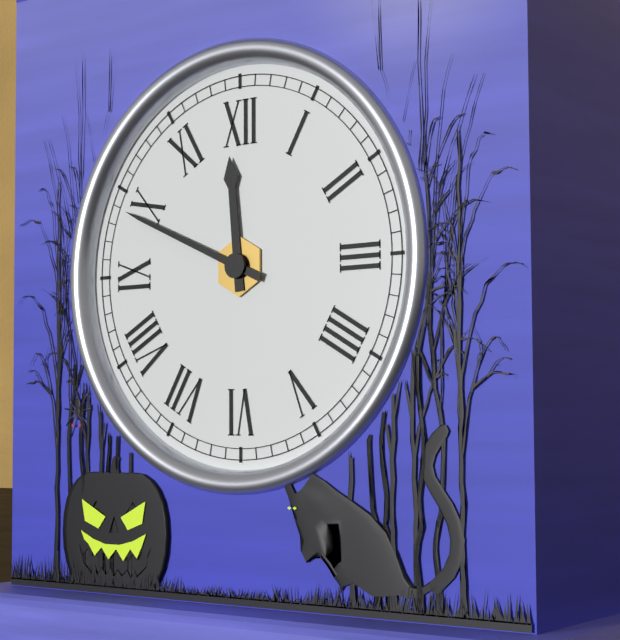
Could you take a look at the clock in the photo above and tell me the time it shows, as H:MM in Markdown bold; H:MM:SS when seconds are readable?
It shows **11:49**
